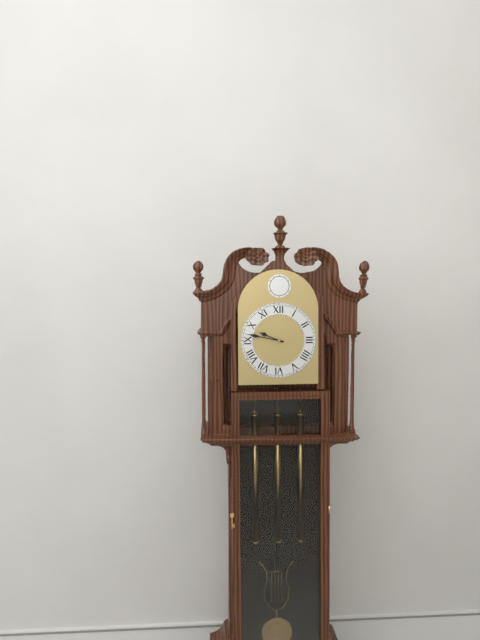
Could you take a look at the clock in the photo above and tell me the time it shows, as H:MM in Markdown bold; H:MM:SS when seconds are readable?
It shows **9:47**
